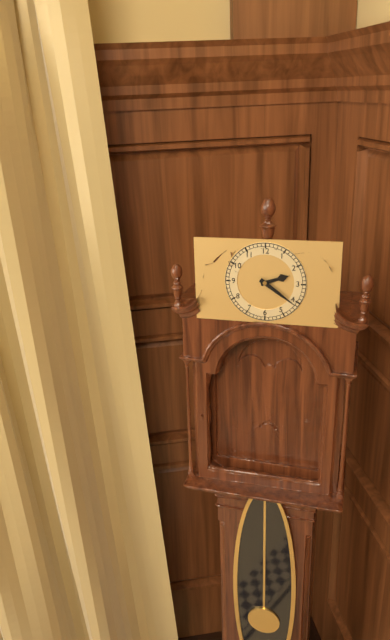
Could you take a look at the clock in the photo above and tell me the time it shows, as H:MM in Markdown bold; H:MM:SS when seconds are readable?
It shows **2:21**
